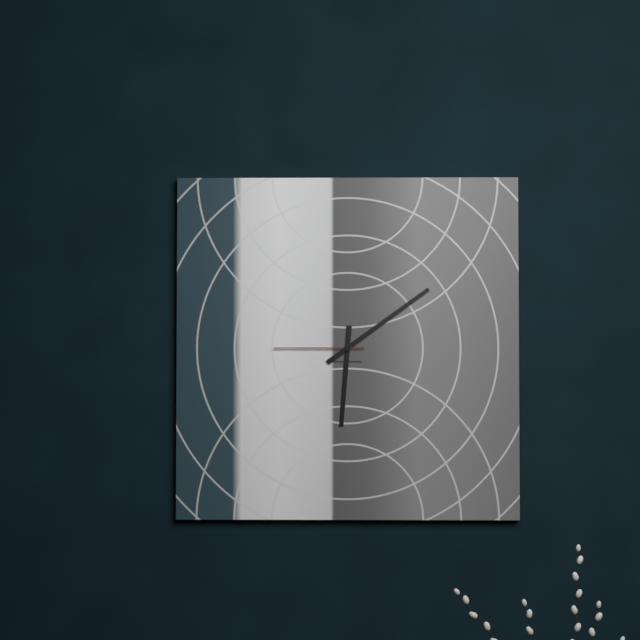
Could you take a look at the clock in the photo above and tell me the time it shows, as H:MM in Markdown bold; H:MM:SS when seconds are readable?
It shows **6:09:45**
